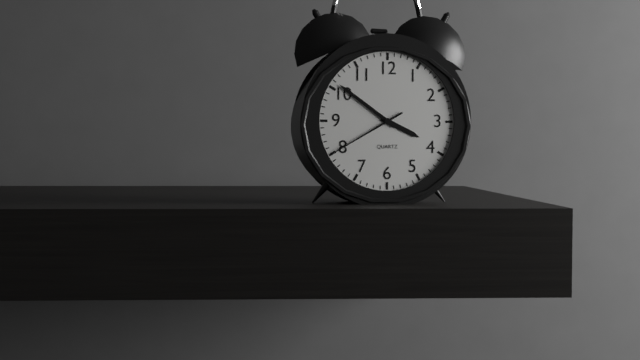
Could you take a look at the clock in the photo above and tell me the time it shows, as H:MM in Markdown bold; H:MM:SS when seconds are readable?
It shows **3:51:40**
